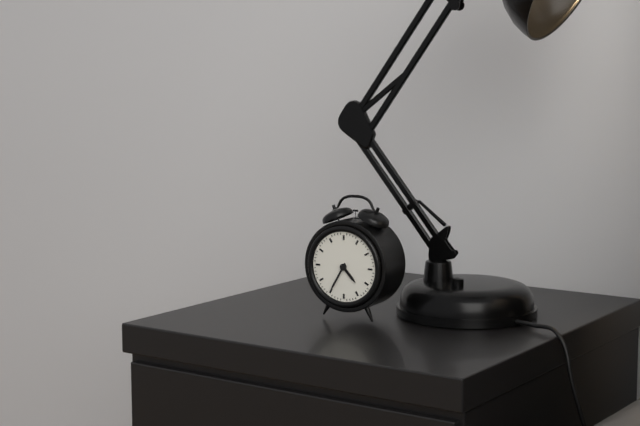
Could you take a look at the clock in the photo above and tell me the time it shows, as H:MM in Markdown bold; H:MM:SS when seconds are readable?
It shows **4:35**
